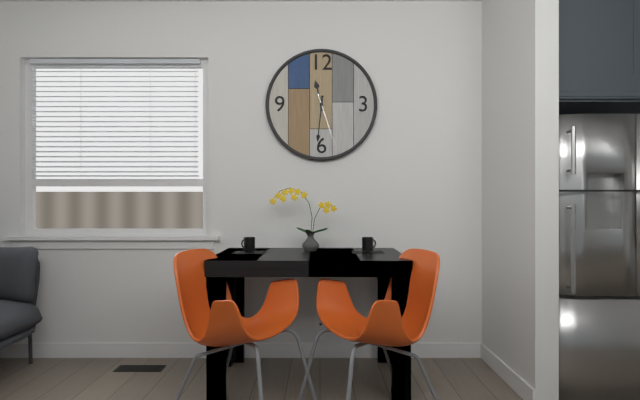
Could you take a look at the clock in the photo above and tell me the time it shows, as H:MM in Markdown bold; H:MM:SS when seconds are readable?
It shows **11:31:27**
